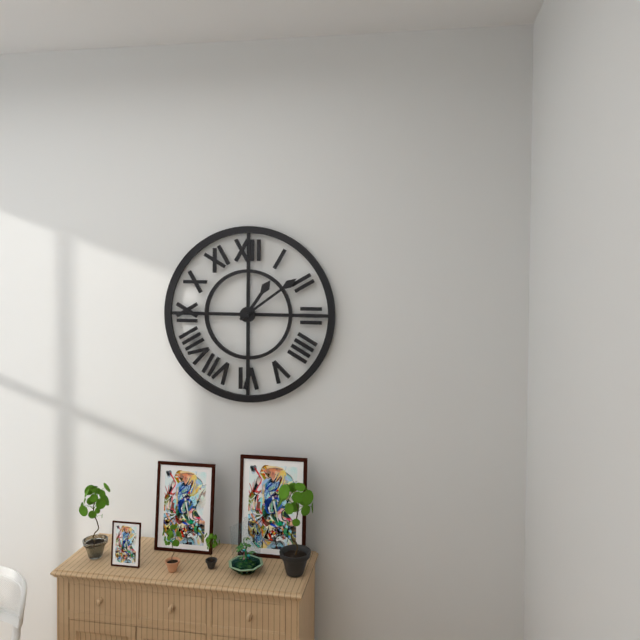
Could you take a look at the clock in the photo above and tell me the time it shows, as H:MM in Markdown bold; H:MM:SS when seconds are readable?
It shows **1:09**
